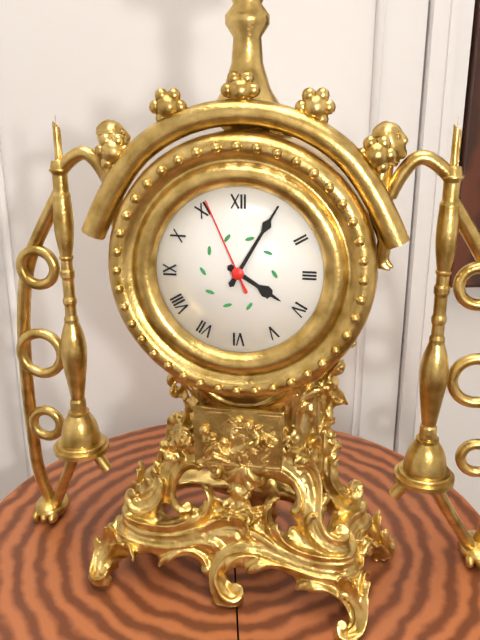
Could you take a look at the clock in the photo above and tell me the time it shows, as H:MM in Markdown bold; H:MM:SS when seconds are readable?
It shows **4:05:56**
